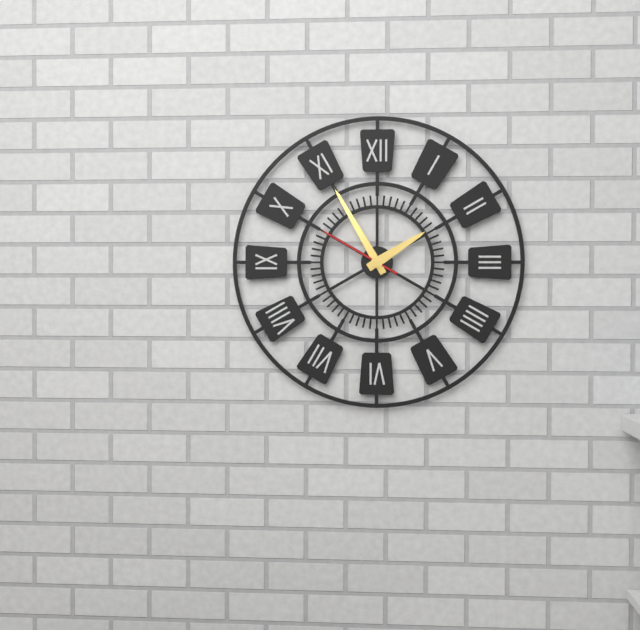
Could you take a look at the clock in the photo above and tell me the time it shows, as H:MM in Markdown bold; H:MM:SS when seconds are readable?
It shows **1:55:50**
